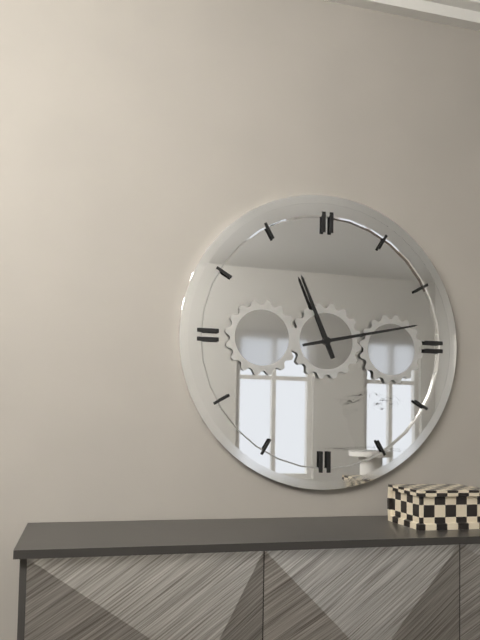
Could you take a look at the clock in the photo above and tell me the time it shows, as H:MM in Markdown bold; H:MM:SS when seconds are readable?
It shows **11:13**
